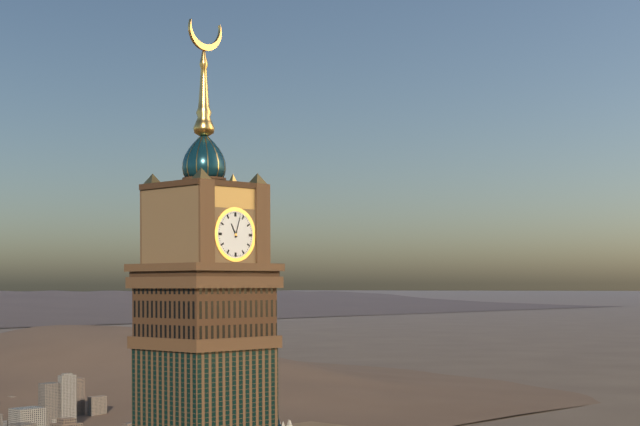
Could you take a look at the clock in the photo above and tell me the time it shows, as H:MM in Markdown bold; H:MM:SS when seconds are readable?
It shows **11:03**
